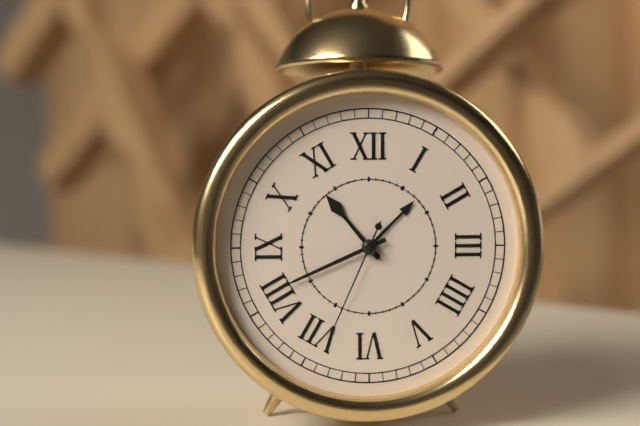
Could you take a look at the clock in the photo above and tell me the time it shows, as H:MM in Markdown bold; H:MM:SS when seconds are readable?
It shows **10:41:34**
